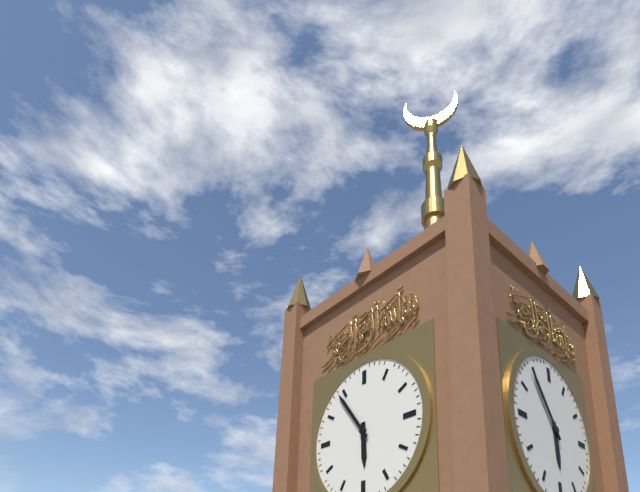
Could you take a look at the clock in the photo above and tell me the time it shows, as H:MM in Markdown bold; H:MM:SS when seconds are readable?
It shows **5:54**
